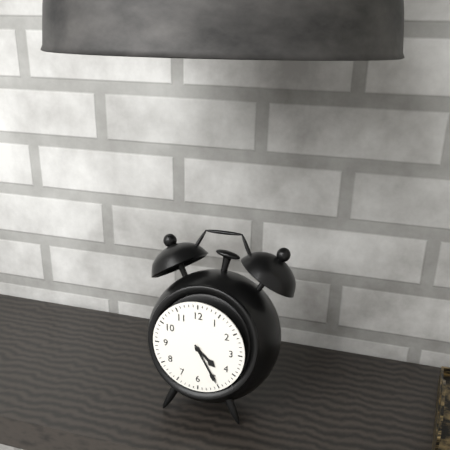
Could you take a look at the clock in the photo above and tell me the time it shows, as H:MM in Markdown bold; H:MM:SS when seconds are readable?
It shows **4:25**
